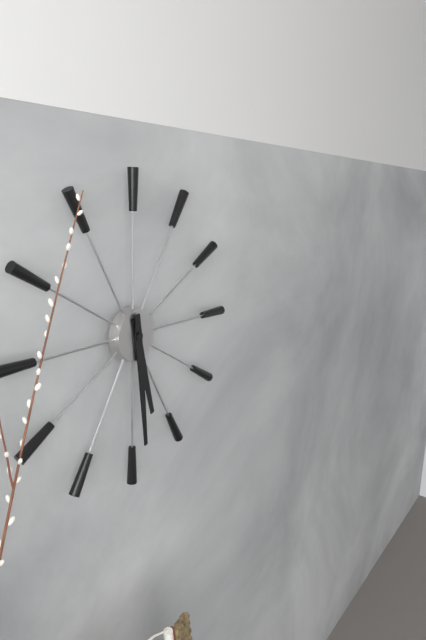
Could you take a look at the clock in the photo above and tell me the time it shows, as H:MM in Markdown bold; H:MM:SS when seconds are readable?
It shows **5:29**
